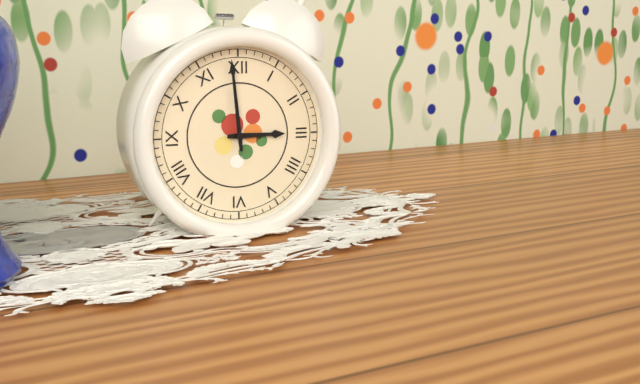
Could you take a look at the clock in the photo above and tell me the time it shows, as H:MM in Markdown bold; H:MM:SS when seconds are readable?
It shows **2:59**
